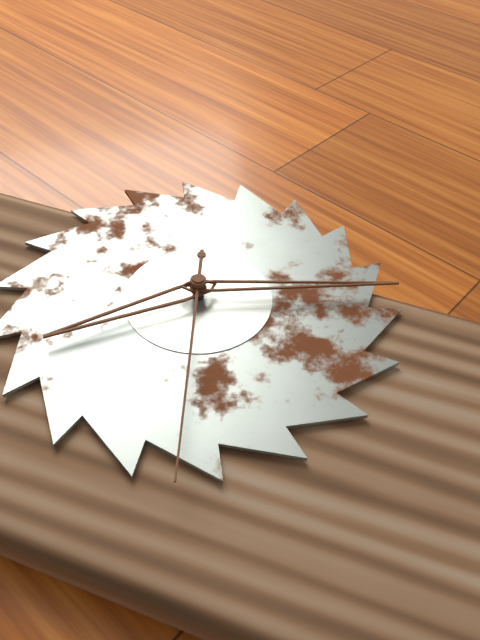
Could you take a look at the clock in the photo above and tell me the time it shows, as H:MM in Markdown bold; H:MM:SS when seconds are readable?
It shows **10:26:42**
